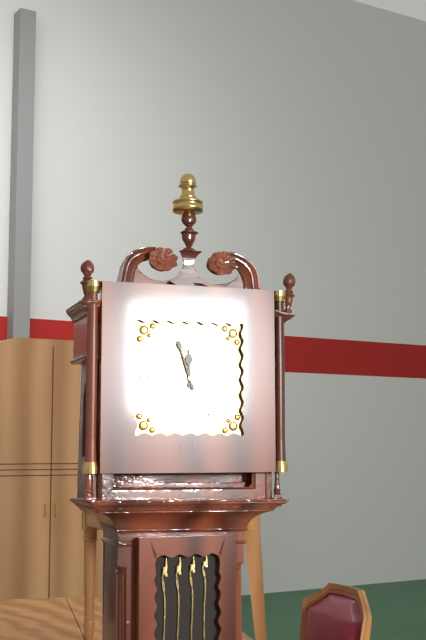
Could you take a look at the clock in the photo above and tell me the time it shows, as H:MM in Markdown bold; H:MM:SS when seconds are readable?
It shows **11:57**
